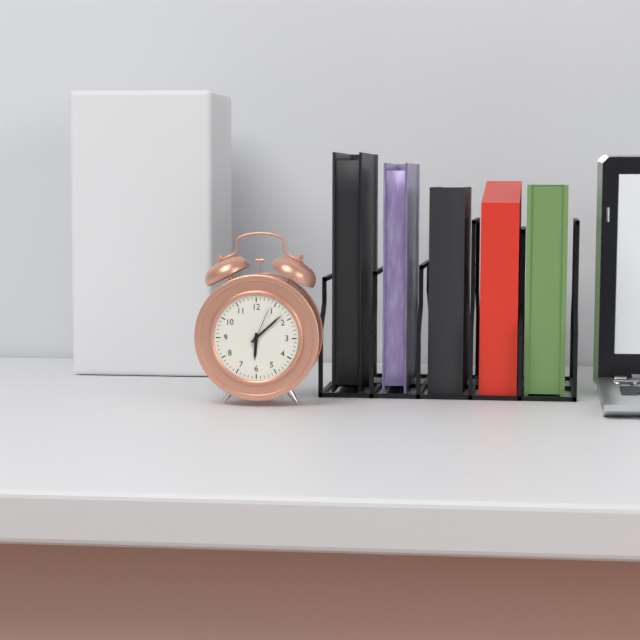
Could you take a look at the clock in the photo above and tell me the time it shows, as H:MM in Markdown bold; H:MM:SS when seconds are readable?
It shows **6:08**
